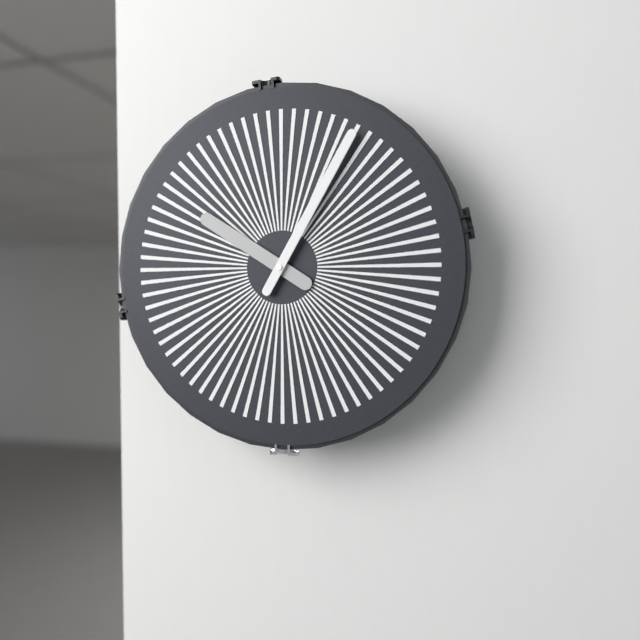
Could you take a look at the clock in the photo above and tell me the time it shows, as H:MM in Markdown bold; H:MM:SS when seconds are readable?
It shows **10:05**
